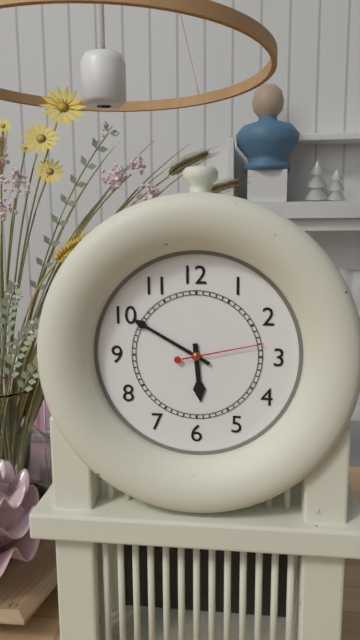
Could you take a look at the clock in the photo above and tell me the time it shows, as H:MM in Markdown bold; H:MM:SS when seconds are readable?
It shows **5:50:13**
